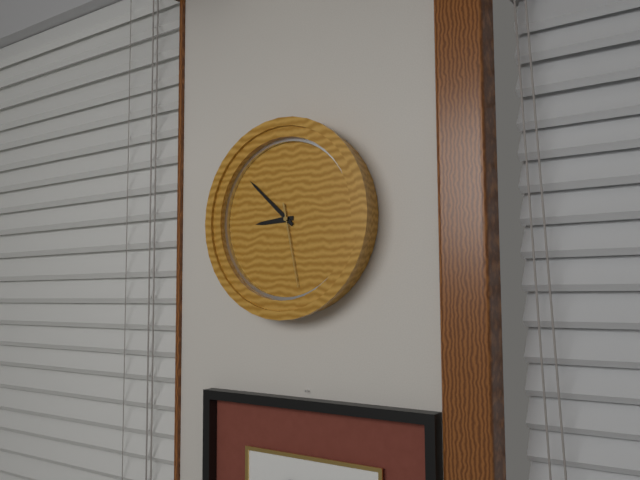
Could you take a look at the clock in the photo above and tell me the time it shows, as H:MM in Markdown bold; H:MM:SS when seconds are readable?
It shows **8:52:28**
